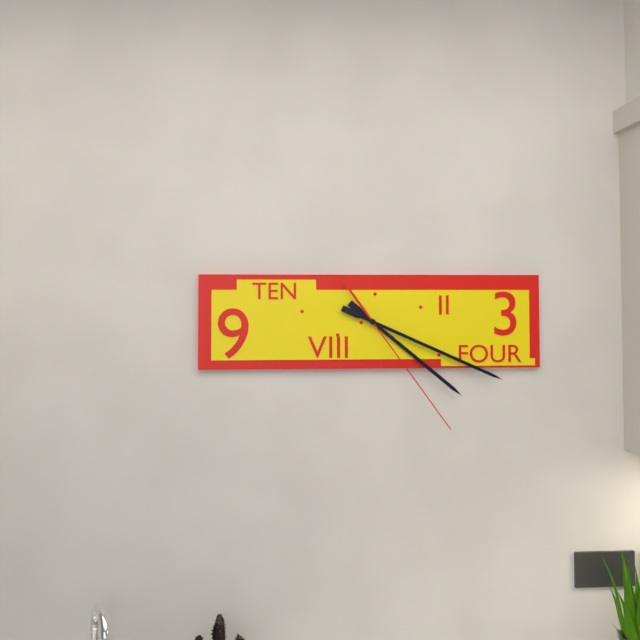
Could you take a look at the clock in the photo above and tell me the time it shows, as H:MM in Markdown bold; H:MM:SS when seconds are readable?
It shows **4:19:24**
